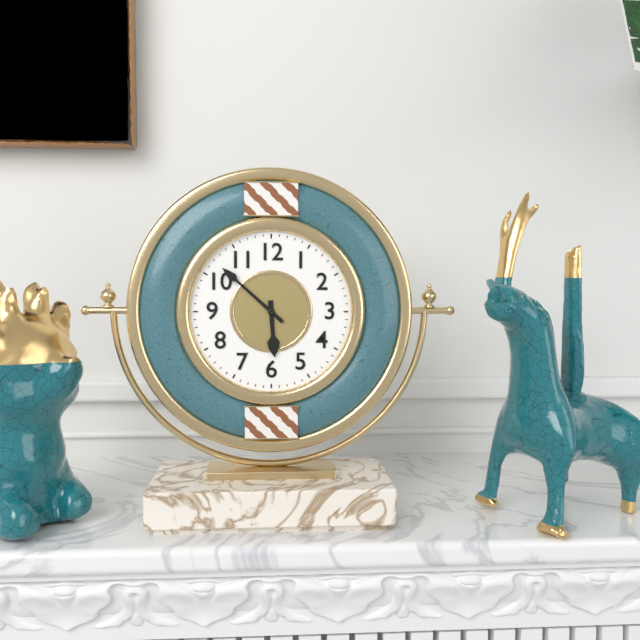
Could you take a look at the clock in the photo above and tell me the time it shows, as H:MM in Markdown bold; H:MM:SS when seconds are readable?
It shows **5:52**
